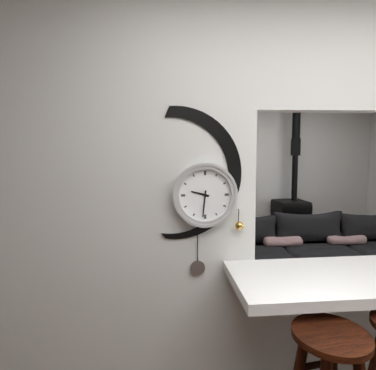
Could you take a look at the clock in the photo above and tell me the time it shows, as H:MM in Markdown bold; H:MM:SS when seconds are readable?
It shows **9:31**
